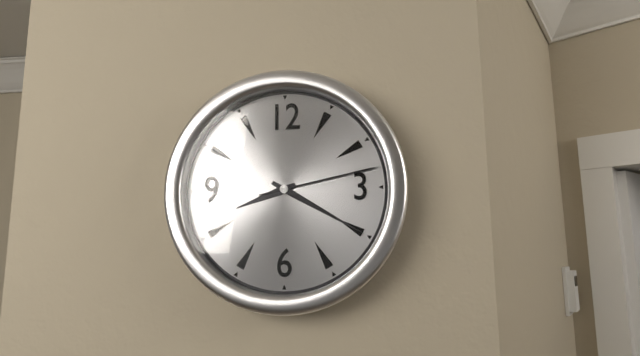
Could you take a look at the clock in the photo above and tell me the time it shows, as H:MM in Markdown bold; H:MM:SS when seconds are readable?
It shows **8:20:13**
